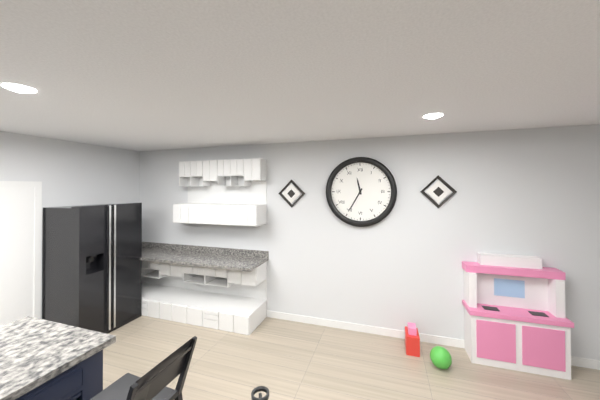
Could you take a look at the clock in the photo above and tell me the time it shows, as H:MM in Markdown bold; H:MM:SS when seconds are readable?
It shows **11:35**
